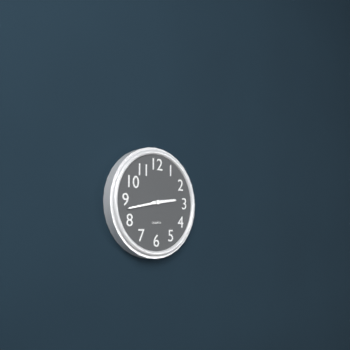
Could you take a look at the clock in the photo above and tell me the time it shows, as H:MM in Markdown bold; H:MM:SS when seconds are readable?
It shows **2:43**
